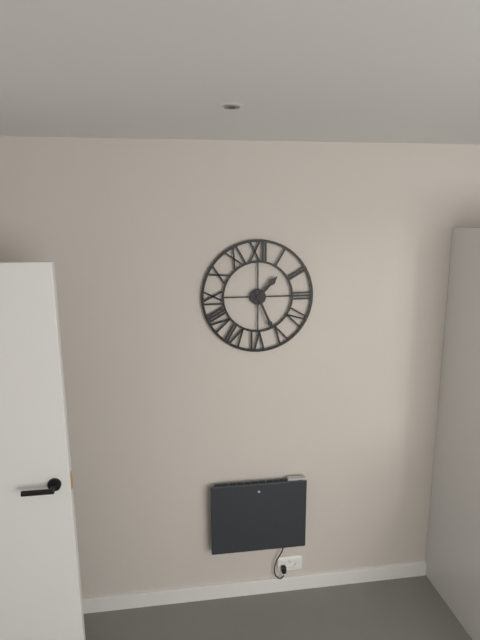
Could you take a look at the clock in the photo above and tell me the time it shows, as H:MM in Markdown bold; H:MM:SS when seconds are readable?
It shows **1:26**
